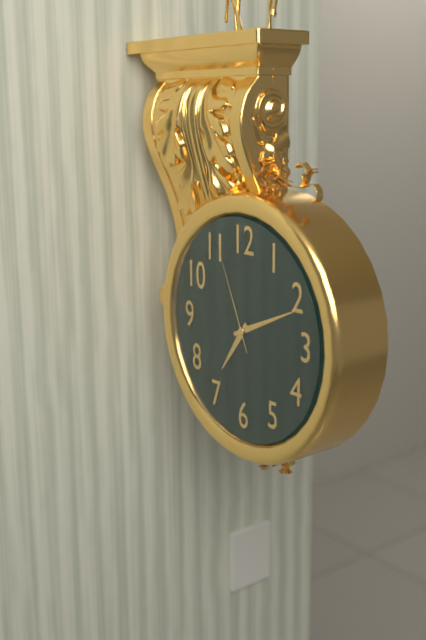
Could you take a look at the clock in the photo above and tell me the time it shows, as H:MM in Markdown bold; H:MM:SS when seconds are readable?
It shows **7:11:56**
